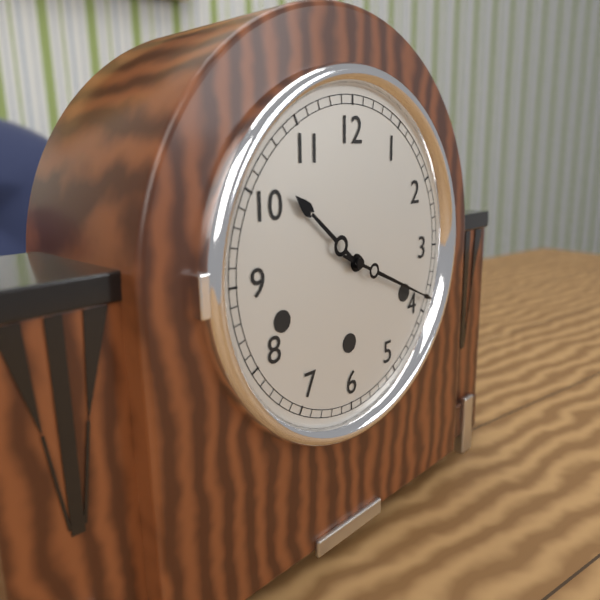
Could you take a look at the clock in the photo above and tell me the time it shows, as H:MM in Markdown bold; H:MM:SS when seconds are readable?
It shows **10:19**
